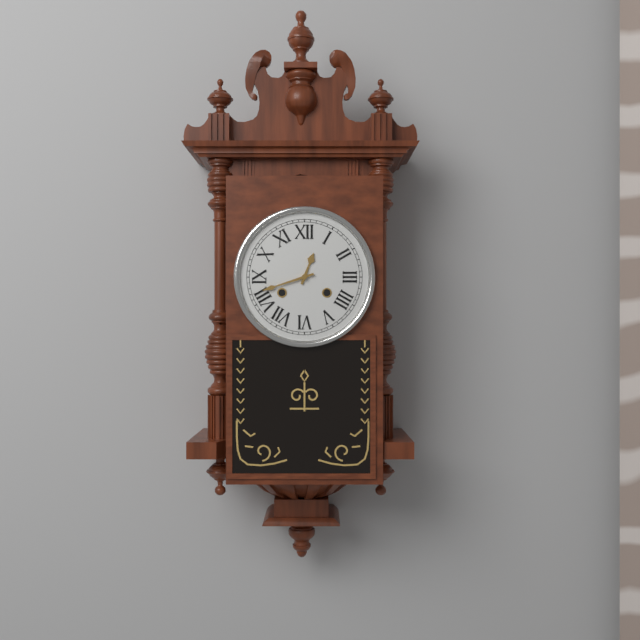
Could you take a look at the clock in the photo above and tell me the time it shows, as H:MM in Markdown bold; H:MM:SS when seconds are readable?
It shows **12:42**
